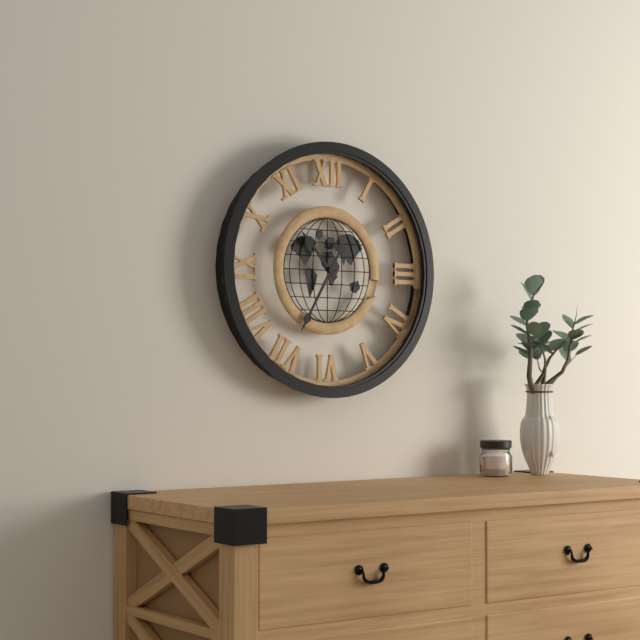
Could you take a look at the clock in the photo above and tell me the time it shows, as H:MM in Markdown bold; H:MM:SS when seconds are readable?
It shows **10:35**
